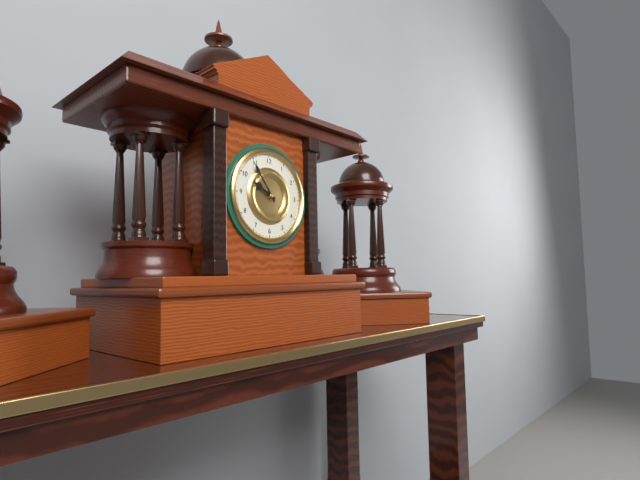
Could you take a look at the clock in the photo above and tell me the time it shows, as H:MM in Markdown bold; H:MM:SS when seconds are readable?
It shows **9:54**
